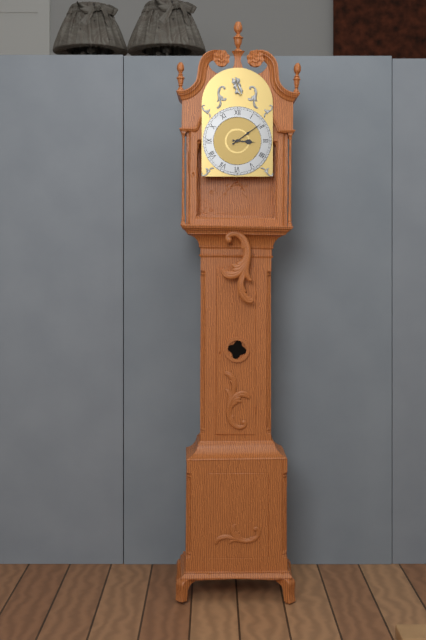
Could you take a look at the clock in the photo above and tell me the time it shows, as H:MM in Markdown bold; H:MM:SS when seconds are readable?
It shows **3:09**
